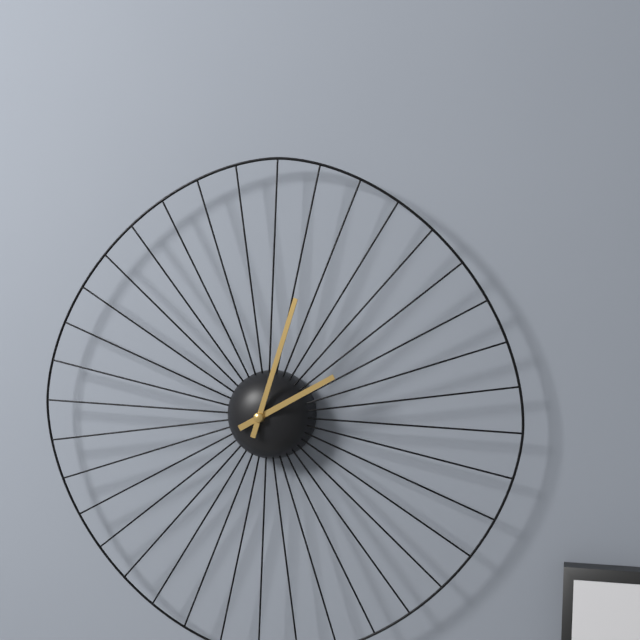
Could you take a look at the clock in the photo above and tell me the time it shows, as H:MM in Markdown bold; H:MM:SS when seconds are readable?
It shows **2:03**
